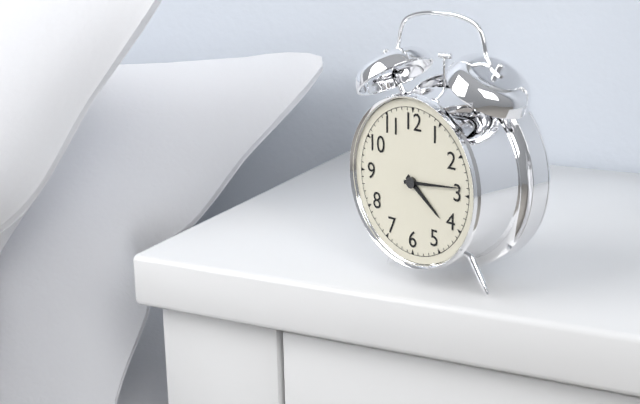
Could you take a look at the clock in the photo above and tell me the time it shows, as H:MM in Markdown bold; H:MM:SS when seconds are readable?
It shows **4:14**
